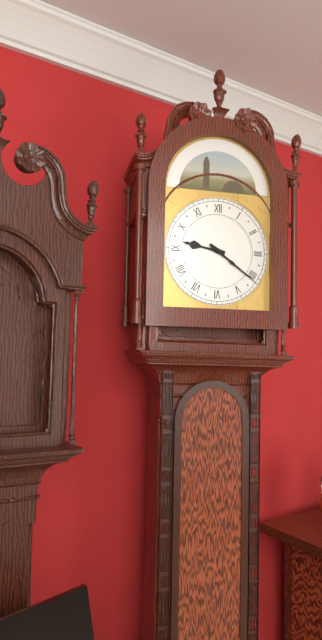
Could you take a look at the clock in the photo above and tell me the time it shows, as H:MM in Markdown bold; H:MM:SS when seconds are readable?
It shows **9:21**
